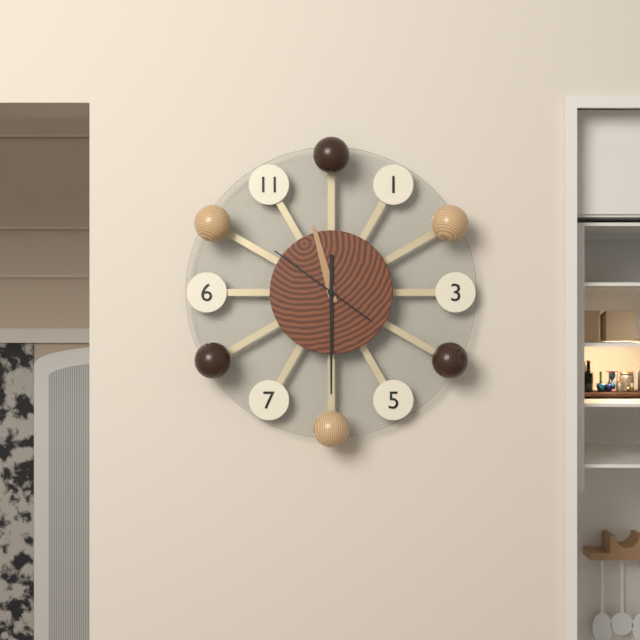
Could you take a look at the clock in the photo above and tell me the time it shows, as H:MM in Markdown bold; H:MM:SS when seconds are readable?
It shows **11:30:51**
